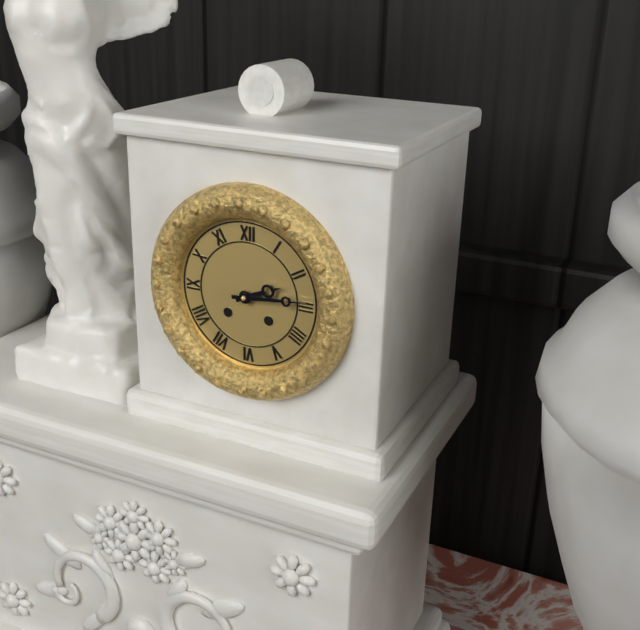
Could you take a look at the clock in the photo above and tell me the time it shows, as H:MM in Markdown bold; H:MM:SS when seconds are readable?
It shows **2:14**
